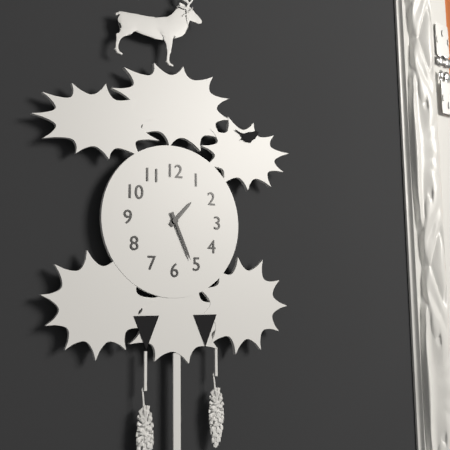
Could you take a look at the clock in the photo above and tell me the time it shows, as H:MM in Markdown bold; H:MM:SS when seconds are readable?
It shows **1:26**
